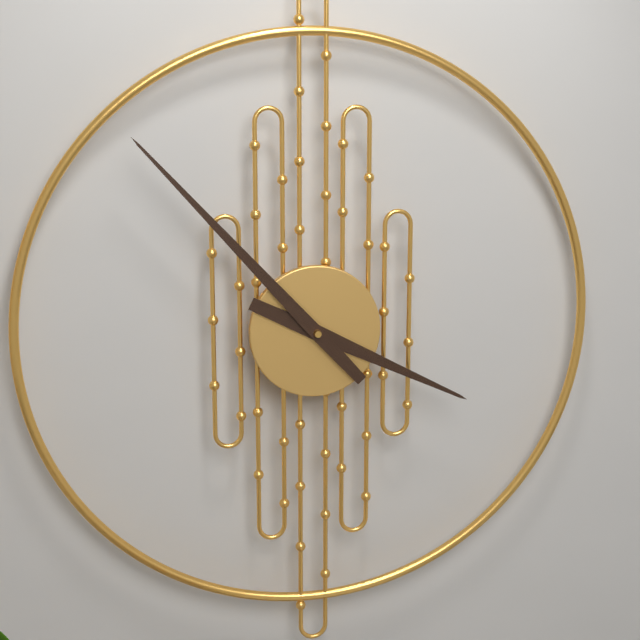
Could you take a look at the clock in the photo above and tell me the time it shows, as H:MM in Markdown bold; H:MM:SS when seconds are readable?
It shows **3:53**
